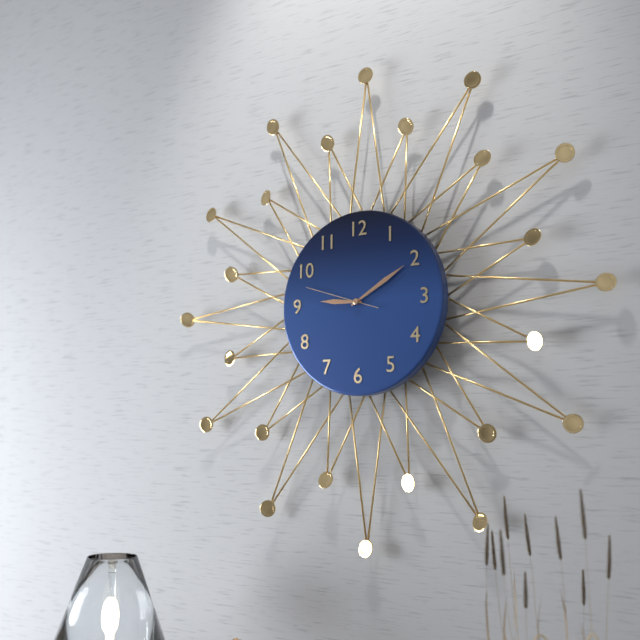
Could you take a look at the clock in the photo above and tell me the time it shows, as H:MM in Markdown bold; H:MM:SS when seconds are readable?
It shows **9:10:48**
